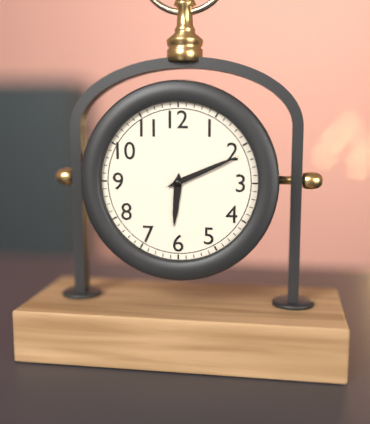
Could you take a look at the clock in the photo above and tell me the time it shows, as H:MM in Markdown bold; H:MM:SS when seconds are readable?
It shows **6:11**
